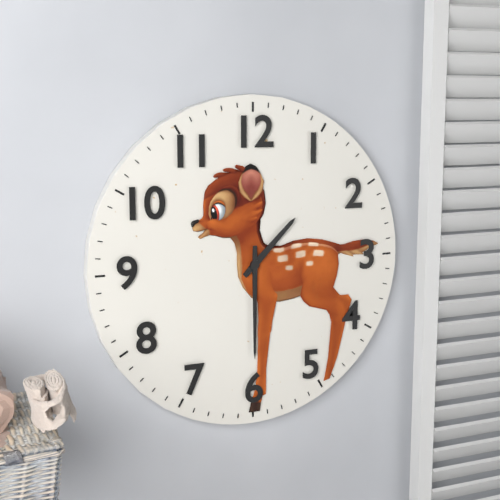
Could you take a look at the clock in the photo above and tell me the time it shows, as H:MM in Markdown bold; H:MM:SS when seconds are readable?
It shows **1:30**
